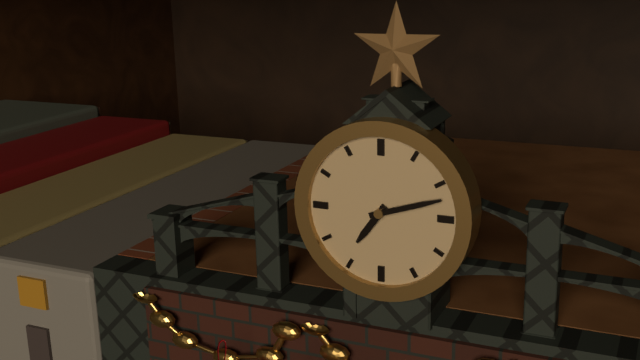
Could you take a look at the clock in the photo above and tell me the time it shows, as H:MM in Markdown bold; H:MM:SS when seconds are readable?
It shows **7:12**
